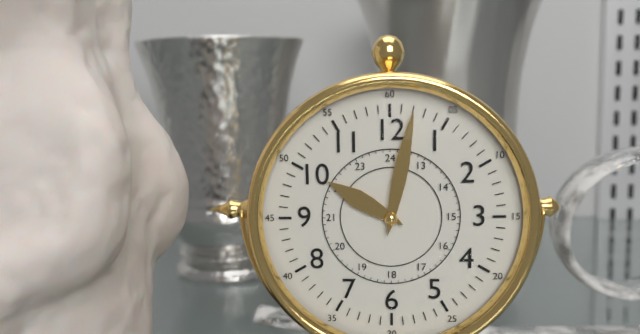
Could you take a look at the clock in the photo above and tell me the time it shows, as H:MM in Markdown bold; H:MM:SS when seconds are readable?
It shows **10:02**
